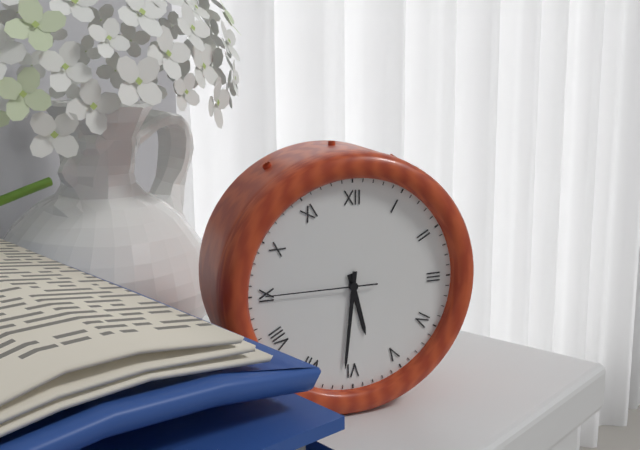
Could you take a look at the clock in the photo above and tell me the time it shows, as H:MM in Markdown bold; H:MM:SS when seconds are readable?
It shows **5:31:45**
